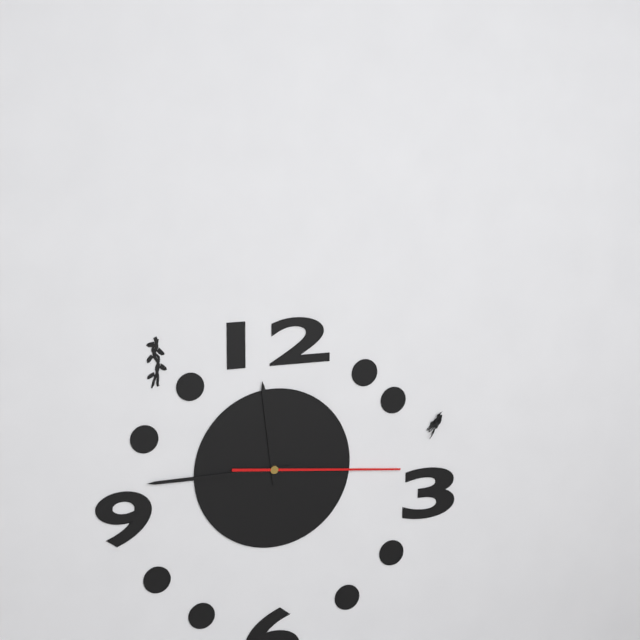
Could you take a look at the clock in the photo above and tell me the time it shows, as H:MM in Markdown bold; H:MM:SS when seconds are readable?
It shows **11:45:16**
